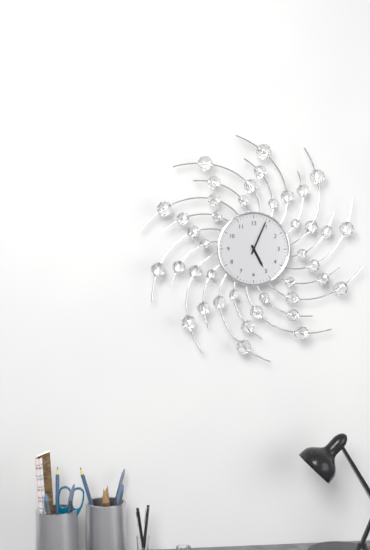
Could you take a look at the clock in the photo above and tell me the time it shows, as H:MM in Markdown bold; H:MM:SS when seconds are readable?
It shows **5:04**
